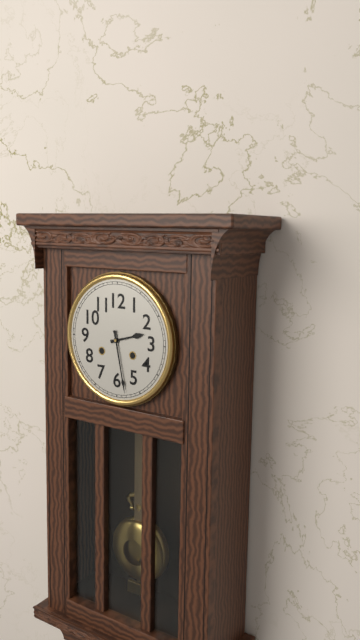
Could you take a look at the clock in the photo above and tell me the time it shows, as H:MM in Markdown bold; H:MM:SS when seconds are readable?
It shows **2:28**
